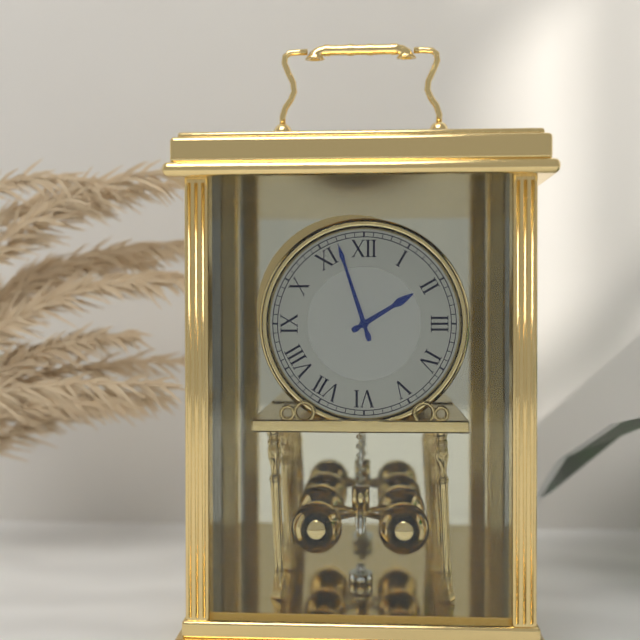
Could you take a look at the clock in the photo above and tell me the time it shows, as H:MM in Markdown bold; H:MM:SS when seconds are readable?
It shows **1:57**
